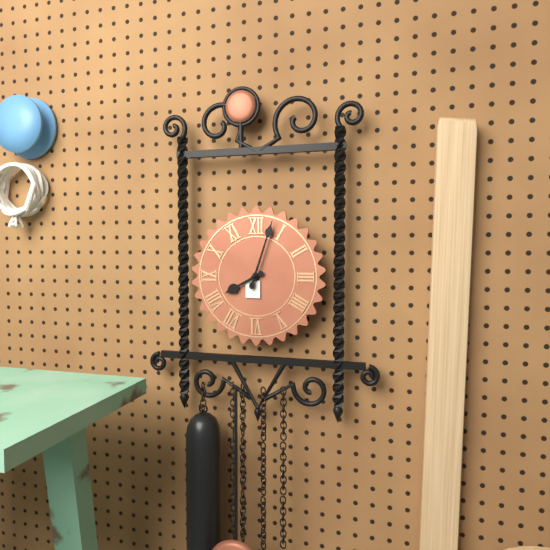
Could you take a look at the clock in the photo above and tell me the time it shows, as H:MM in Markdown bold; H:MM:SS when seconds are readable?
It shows **8:03**
